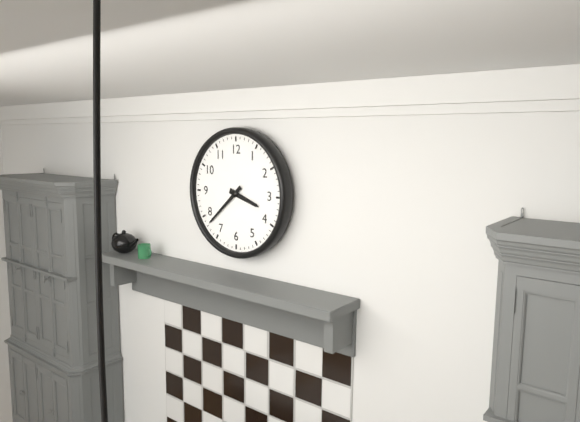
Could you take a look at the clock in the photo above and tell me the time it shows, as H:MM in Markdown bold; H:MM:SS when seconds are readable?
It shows **3:38**
